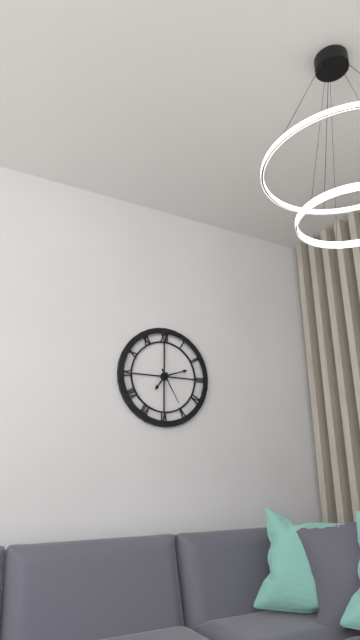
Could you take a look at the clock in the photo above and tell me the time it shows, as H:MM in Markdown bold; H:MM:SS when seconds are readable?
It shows **7:12**
